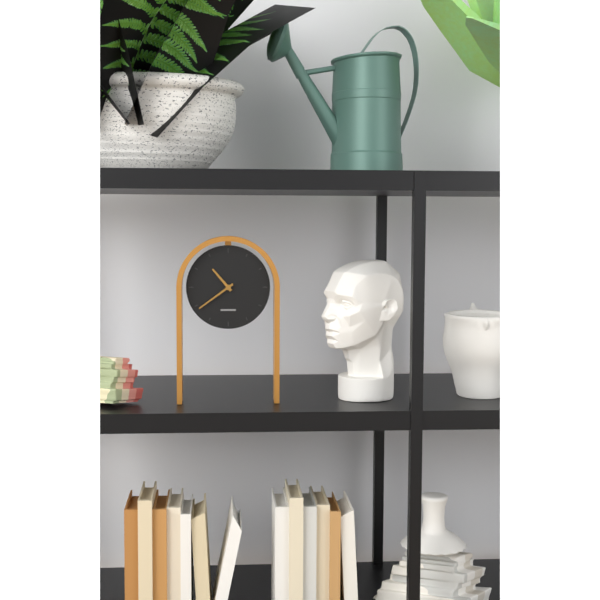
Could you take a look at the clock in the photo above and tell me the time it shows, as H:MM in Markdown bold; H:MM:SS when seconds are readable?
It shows **10:39**
